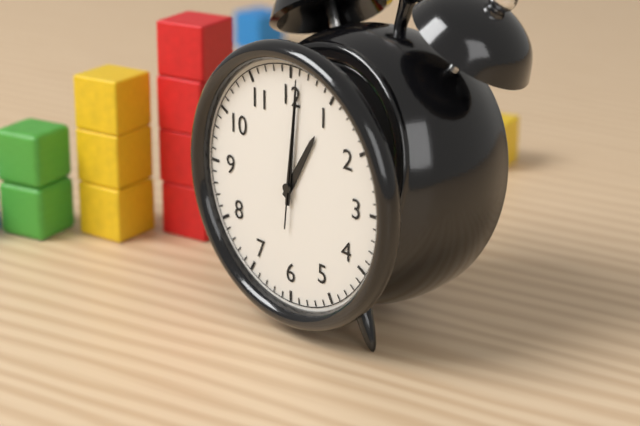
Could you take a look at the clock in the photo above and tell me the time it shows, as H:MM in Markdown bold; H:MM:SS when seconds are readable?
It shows **1:01:01**
